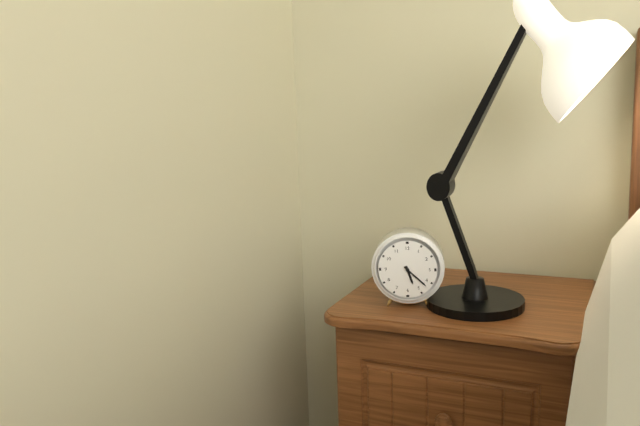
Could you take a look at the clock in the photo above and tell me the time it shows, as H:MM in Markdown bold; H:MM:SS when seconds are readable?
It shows **5:22**
